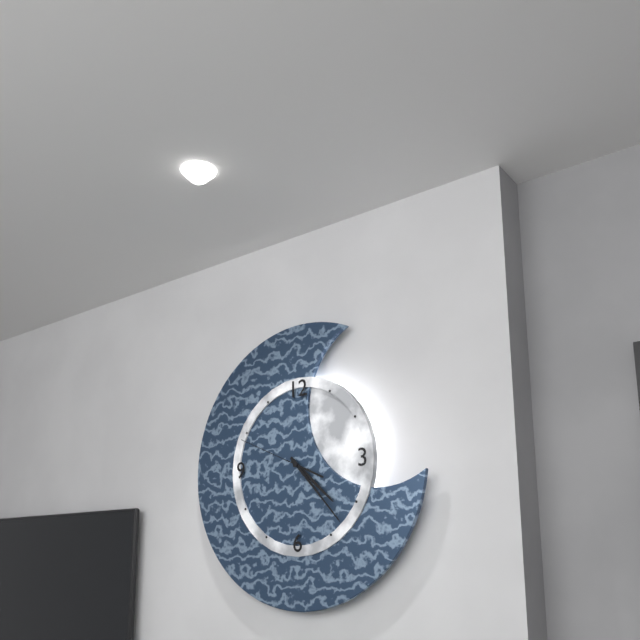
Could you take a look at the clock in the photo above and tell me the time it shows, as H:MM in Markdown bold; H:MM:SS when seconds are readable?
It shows **4:23:49**
